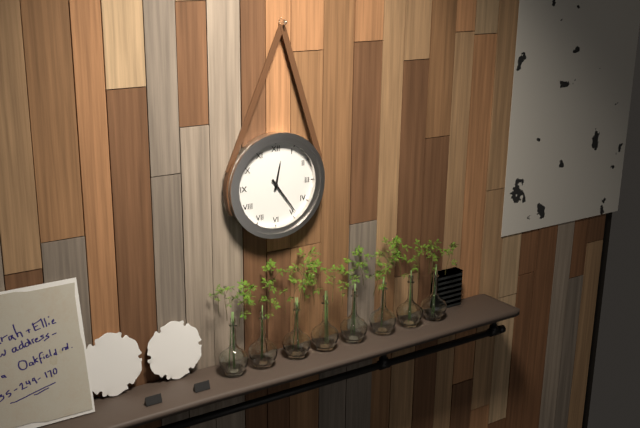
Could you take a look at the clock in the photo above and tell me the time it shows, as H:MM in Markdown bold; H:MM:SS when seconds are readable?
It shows **12:24**
